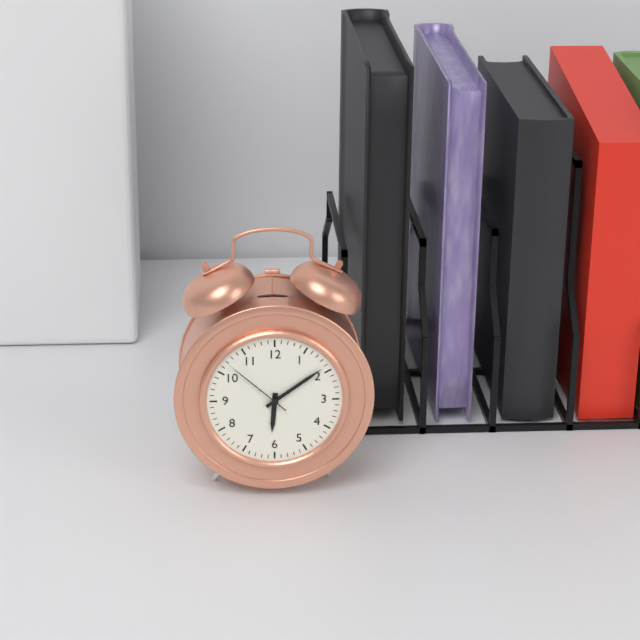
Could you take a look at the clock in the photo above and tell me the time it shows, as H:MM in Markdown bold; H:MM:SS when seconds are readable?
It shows **6:09:52**
